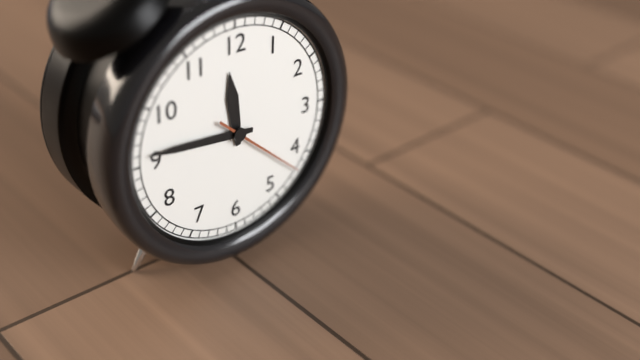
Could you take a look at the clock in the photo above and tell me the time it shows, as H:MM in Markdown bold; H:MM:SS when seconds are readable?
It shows **11:46:22**
